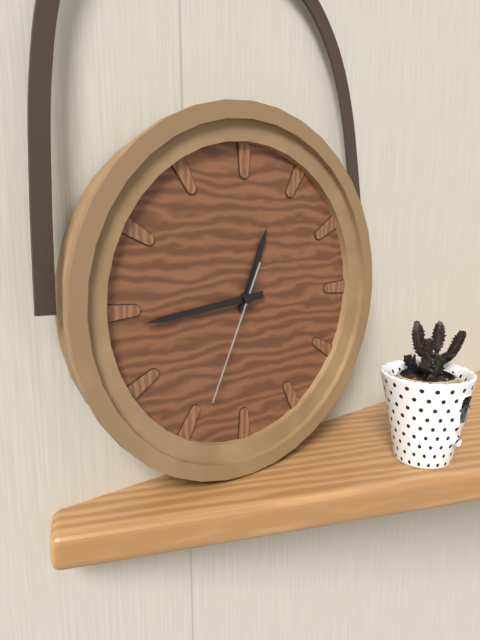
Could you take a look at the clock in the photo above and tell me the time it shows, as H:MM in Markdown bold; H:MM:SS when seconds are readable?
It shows **12:44:34**
